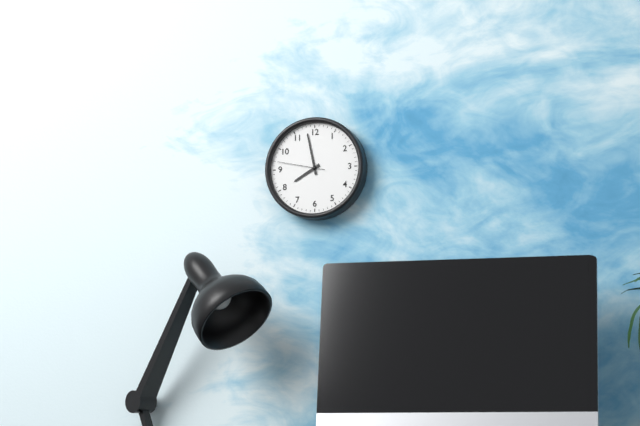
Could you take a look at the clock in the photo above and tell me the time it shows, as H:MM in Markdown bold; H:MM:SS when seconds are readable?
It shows **7:58:47**
